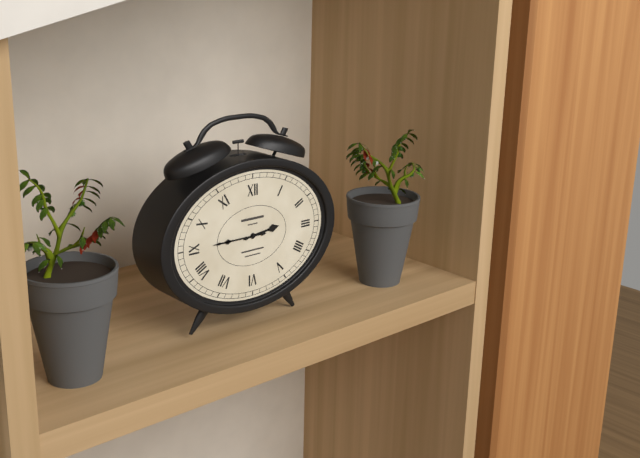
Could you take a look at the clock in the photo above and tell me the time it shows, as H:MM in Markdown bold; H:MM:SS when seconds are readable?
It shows **2:45**
